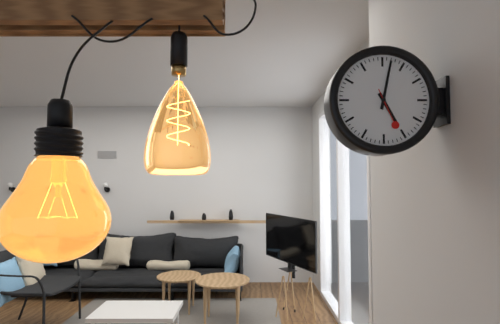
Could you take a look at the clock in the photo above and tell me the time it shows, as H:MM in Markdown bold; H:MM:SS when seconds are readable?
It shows **5:02**
